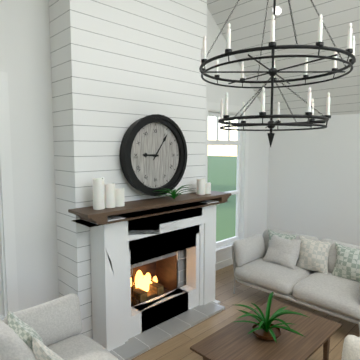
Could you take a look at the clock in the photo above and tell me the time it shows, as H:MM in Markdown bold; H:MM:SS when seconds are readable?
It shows **9:06**
